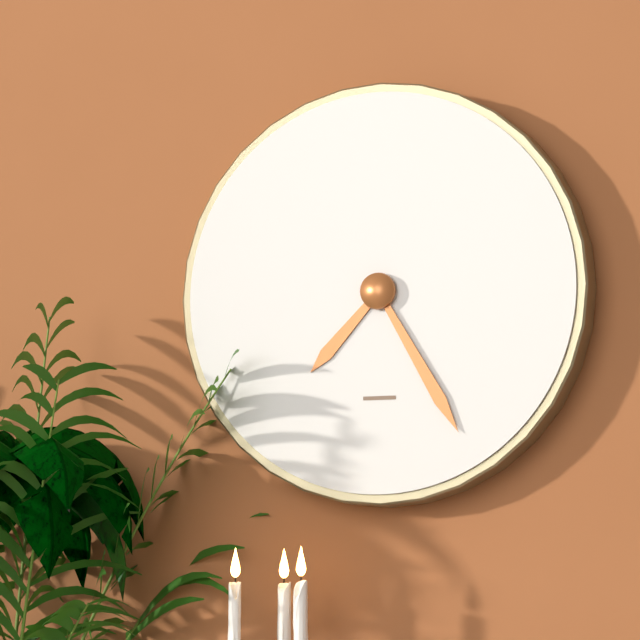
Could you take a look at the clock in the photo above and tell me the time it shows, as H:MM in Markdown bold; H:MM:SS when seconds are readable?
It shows **7:25**
